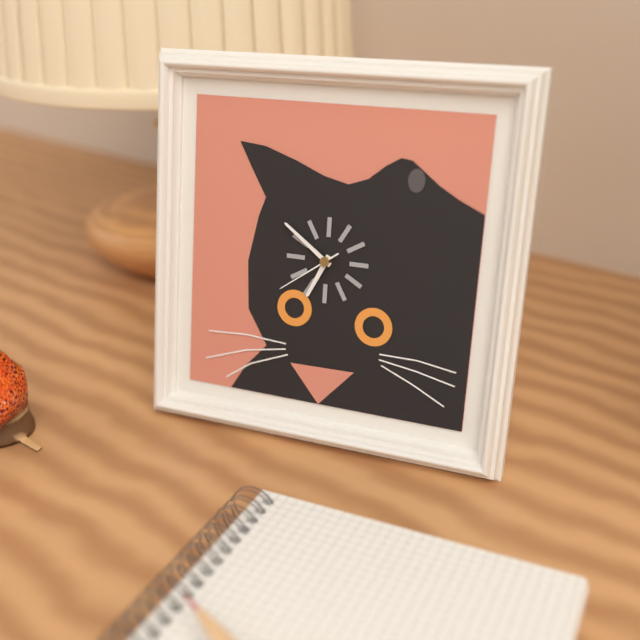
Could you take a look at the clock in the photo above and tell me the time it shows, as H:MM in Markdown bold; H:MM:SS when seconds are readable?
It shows **6:51:39**
